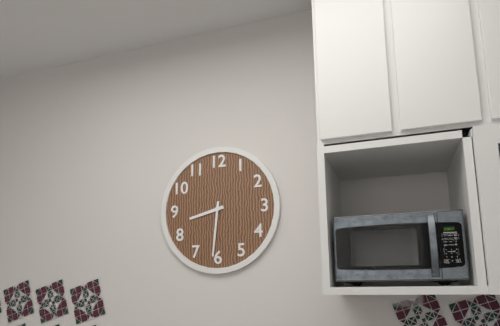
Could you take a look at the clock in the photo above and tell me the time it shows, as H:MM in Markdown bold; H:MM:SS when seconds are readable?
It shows **8:31**
